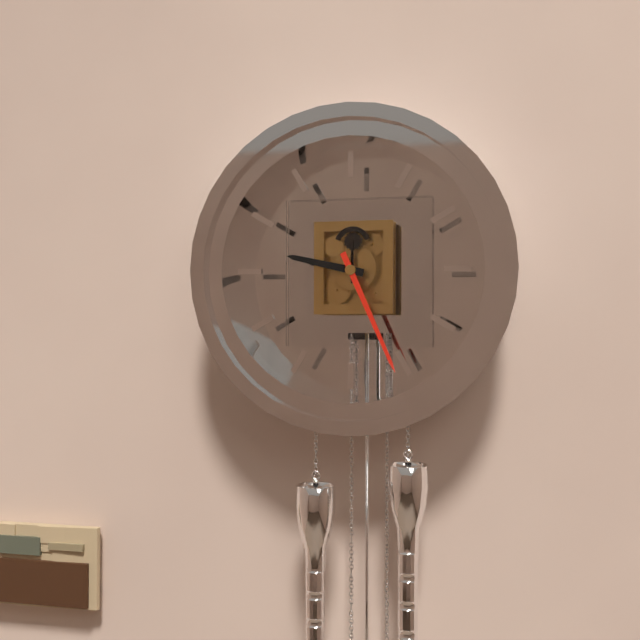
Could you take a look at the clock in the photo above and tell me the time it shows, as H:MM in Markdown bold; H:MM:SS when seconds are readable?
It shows **9:26**
